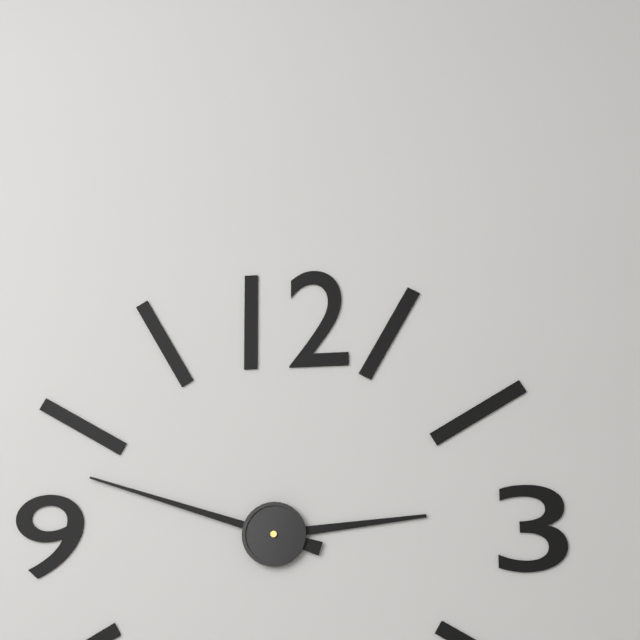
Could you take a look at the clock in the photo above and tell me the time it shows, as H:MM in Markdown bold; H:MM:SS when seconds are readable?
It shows **2:48**
